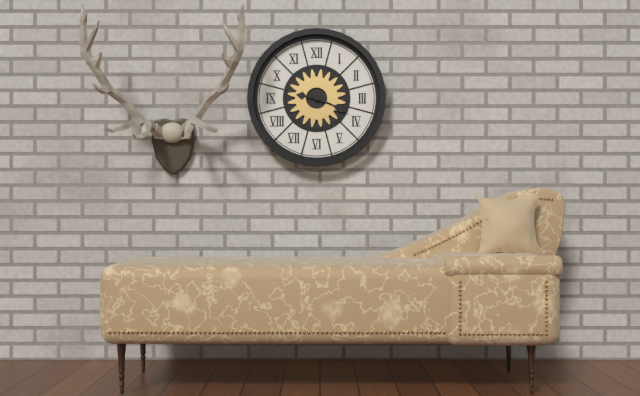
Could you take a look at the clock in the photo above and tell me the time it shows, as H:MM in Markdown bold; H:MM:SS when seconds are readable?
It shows **9:19**
